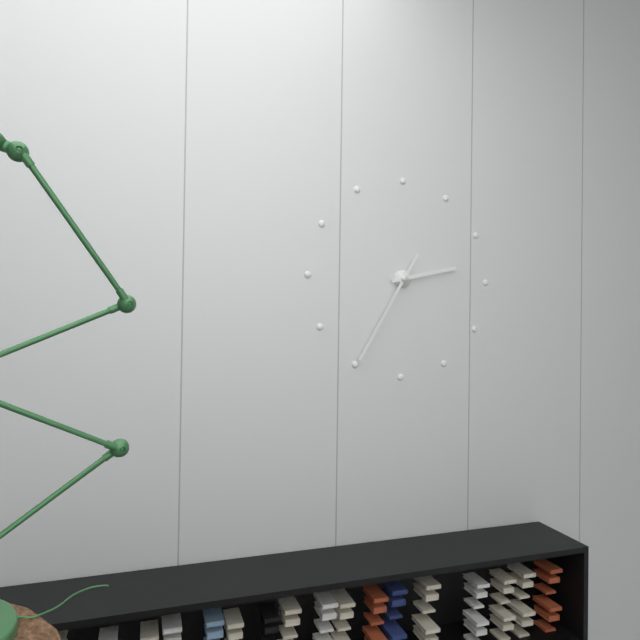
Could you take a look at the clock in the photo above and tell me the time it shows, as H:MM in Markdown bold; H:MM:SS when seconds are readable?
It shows **2:35**
